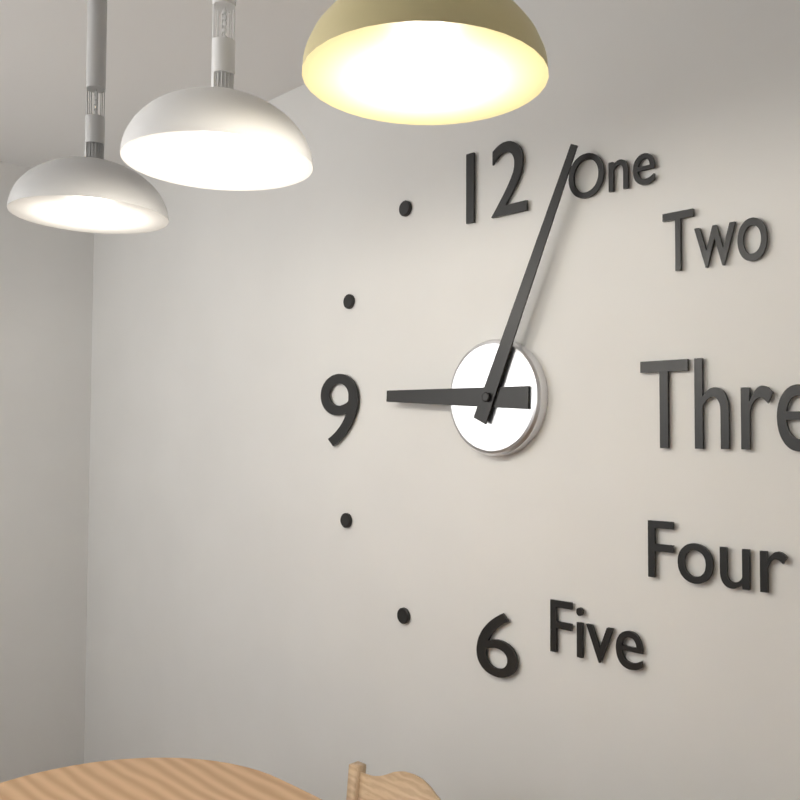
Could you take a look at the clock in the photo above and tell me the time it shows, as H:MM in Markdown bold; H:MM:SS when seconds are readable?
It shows **9:04**
